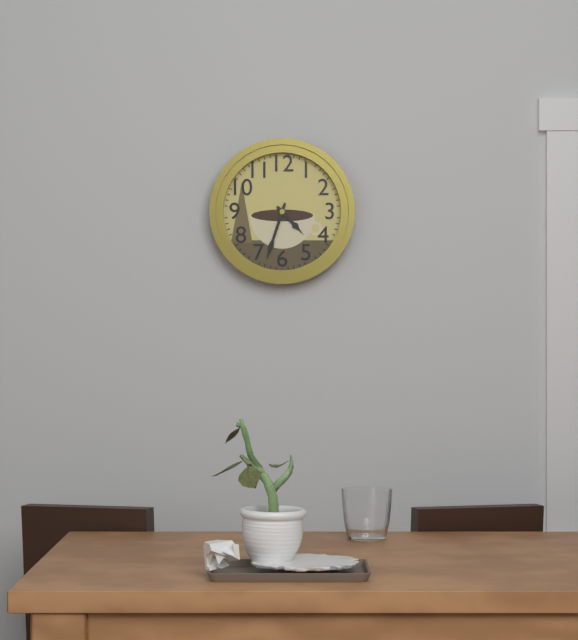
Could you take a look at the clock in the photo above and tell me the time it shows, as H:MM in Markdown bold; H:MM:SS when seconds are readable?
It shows **4:33**
